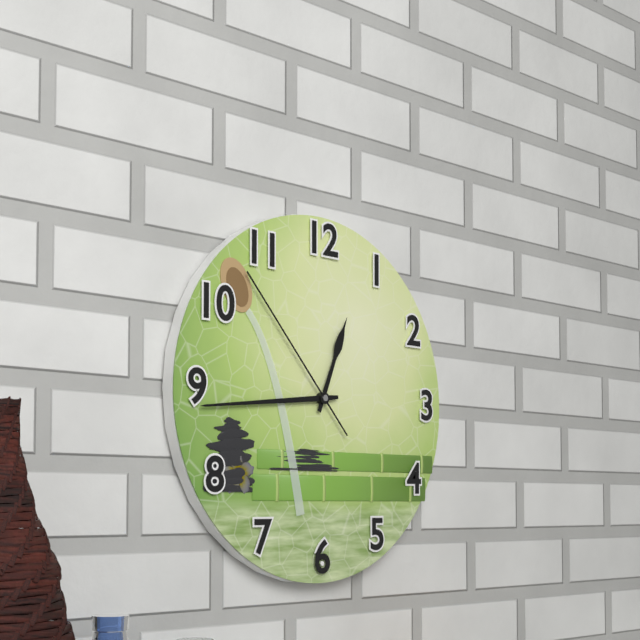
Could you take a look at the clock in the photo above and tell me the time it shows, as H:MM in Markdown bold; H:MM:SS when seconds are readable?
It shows **12:44:53**
